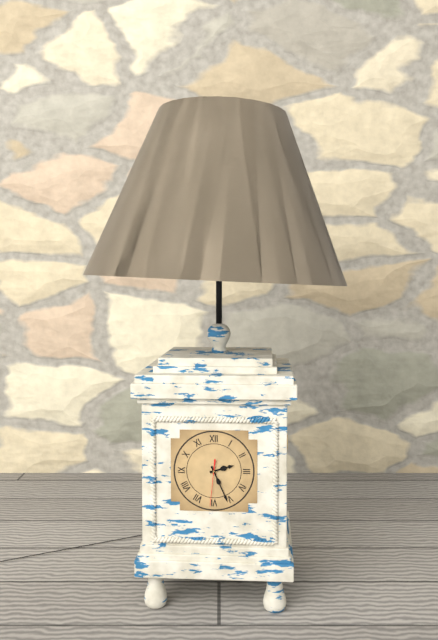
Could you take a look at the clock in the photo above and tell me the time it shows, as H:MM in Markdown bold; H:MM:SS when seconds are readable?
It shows **2:26**
